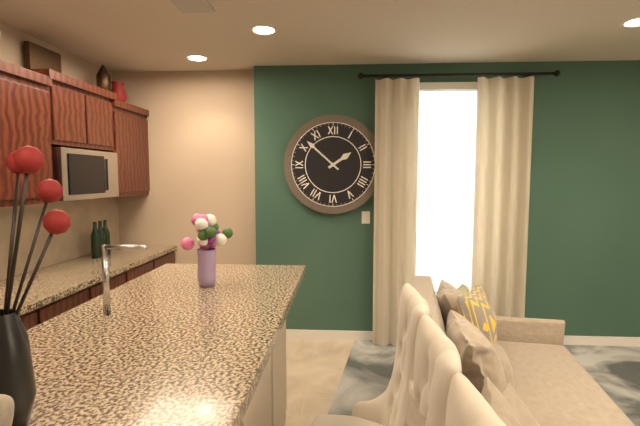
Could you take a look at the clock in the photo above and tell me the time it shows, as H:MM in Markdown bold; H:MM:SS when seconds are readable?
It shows **1:52**
